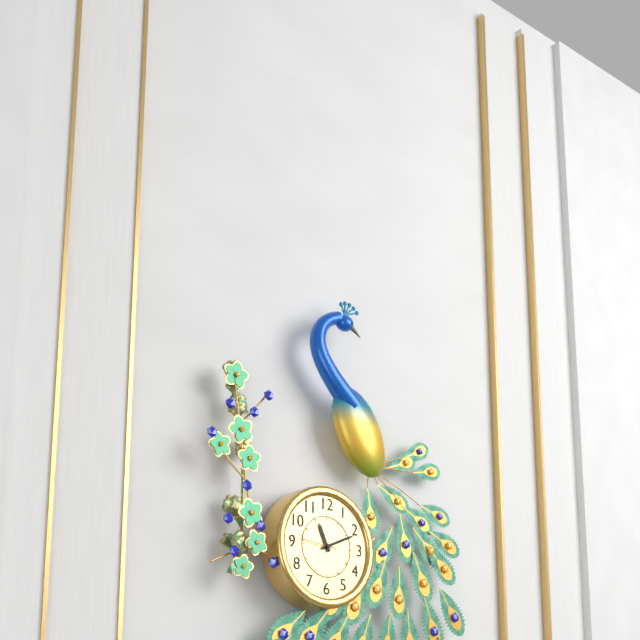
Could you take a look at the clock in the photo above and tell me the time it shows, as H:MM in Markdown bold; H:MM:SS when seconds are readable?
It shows **11:11**
